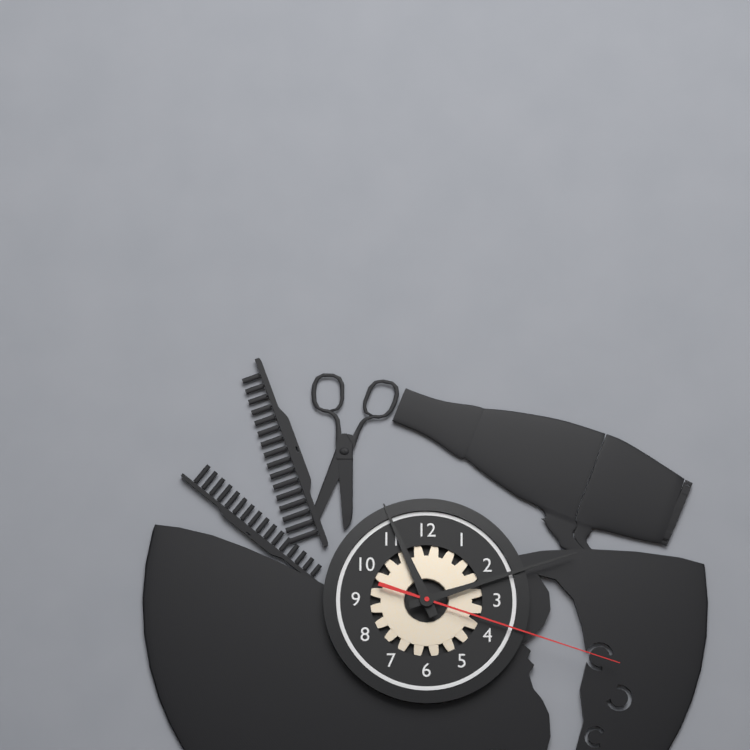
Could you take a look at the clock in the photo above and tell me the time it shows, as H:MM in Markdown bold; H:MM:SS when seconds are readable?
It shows **11:12:18**
